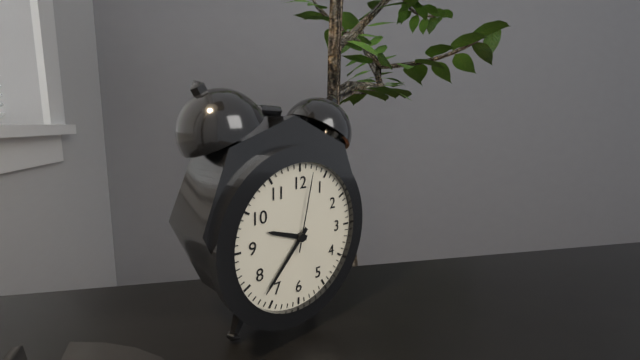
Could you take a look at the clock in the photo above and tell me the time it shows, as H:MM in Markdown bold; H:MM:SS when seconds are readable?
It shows **9:37:02**
